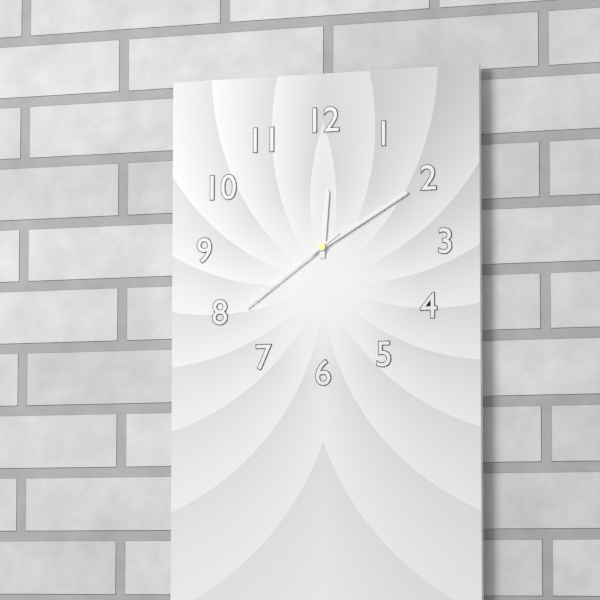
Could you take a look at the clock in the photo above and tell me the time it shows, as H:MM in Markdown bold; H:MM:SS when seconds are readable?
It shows **12:10:39**
